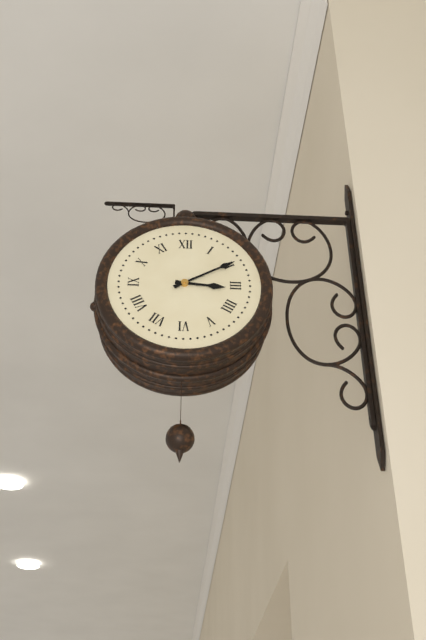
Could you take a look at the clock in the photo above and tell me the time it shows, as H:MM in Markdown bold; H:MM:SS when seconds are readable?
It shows **3:10**
